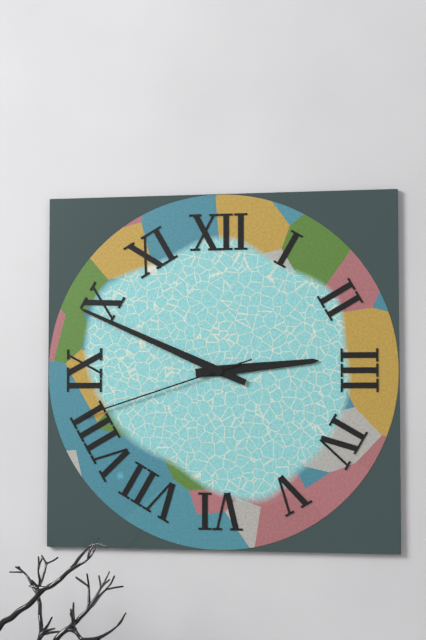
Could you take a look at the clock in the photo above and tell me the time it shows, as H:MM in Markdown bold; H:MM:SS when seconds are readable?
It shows **2:49:42**
